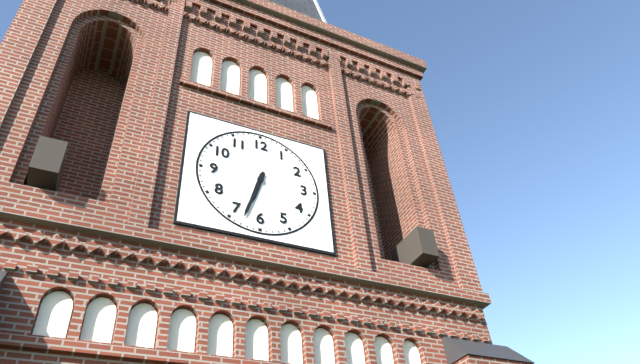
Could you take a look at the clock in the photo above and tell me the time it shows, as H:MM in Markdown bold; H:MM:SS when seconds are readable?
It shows **6:33**
